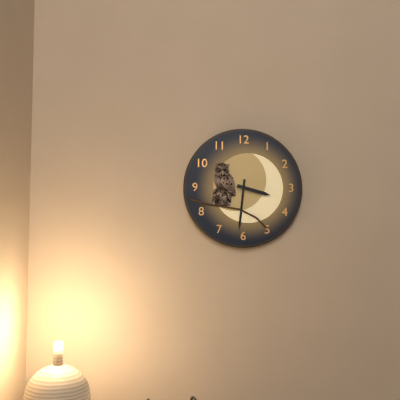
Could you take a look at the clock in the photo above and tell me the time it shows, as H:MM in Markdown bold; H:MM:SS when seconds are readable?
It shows **3:31**
